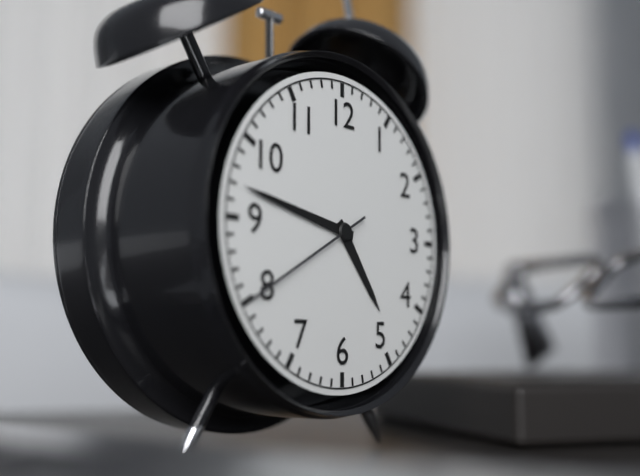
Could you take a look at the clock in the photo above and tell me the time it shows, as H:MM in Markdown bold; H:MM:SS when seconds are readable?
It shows **4:47:40**
